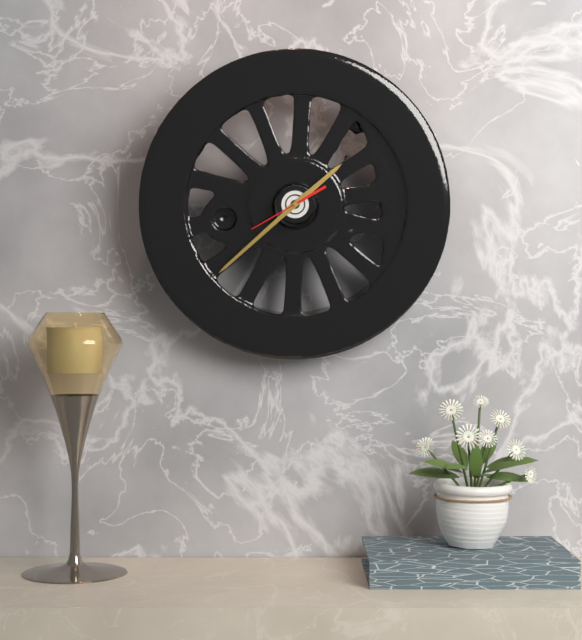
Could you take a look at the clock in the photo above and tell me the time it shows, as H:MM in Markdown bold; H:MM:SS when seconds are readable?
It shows **1:38:40**
